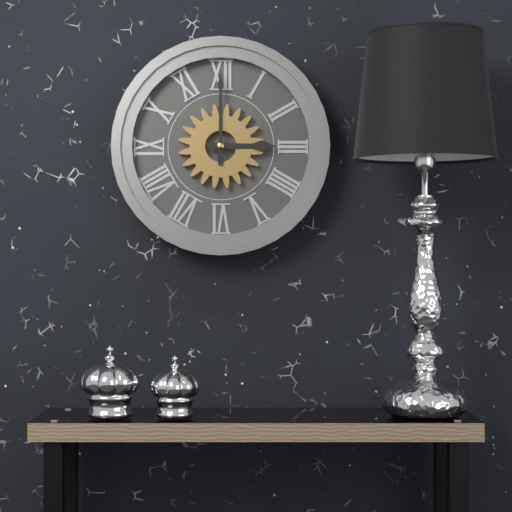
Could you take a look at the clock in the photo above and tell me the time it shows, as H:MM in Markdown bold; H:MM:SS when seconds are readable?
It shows **3:00**
